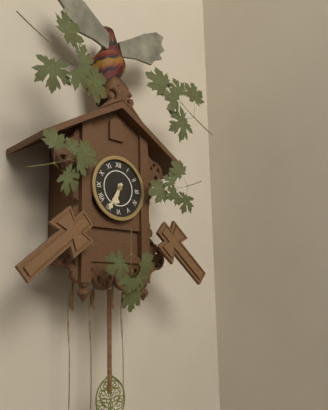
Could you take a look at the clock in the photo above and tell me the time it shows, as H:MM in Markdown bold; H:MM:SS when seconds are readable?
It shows **6:35**
